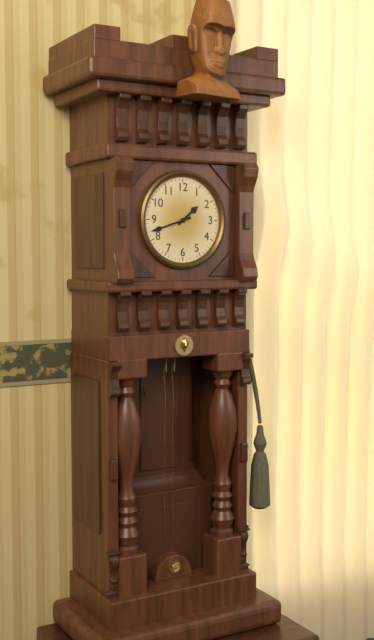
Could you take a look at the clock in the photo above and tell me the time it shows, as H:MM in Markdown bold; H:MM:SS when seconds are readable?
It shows **1:42**
